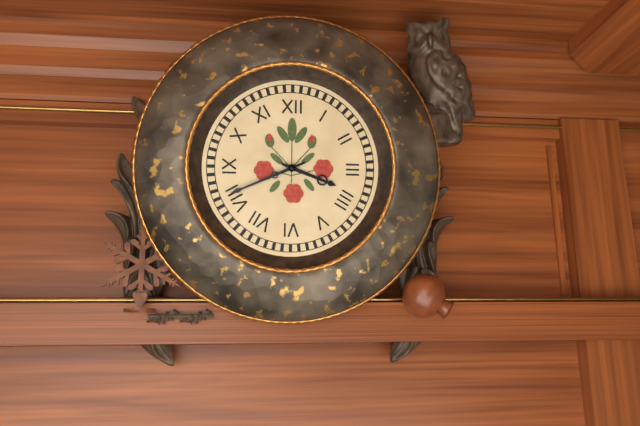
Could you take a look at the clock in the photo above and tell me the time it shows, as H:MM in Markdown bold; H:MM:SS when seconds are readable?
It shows **3:41**
